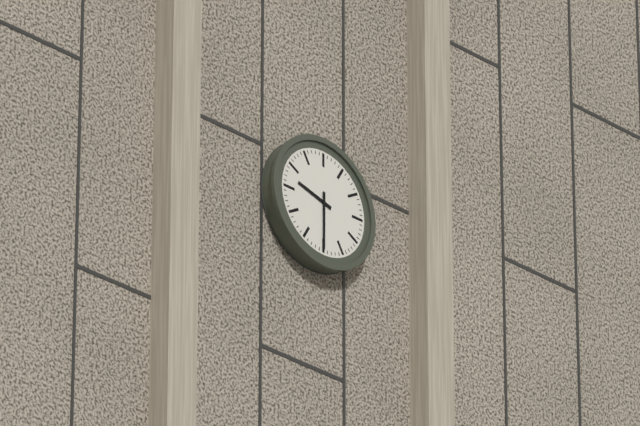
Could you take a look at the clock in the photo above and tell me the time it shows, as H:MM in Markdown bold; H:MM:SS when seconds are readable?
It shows **9:30**
